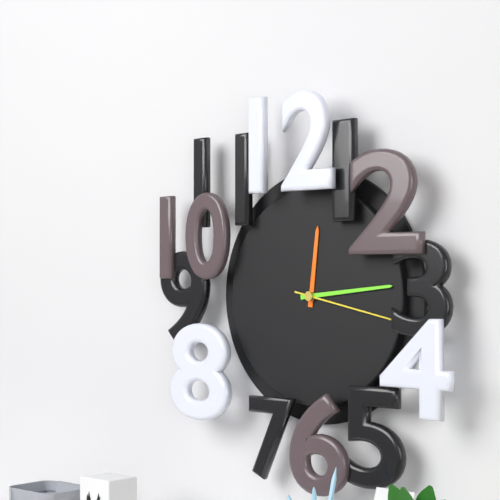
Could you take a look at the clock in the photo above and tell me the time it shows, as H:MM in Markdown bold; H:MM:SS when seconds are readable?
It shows **12:14:17**
